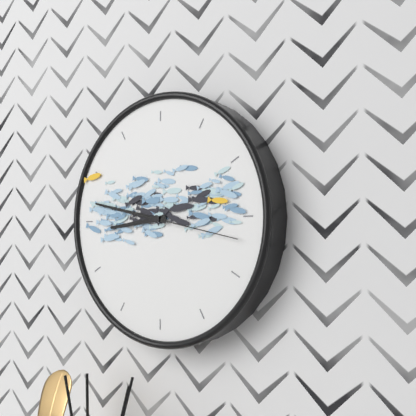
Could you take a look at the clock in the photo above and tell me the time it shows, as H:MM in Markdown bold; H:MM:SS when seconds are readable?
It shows **8:47:17**
